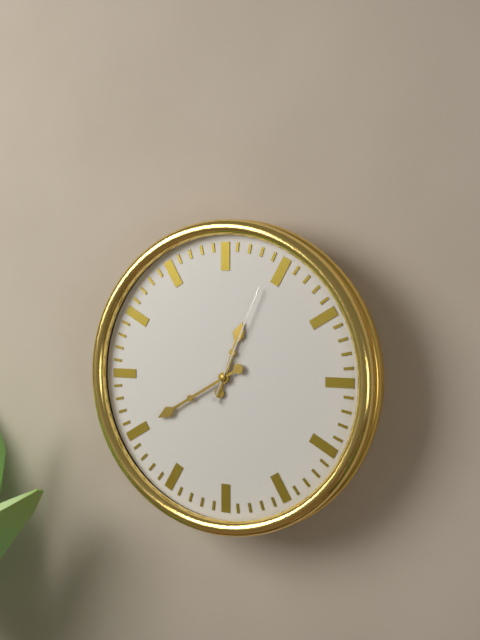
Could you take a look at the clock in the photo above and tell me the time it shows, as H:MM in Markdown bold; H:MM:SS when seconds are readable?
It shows **12:40:04**
